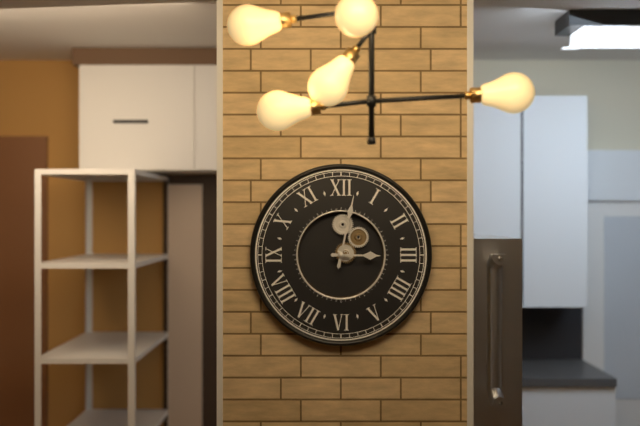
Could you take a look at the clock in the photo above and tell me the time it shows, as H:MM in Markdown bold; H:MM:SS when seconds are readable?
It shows **3:02**
